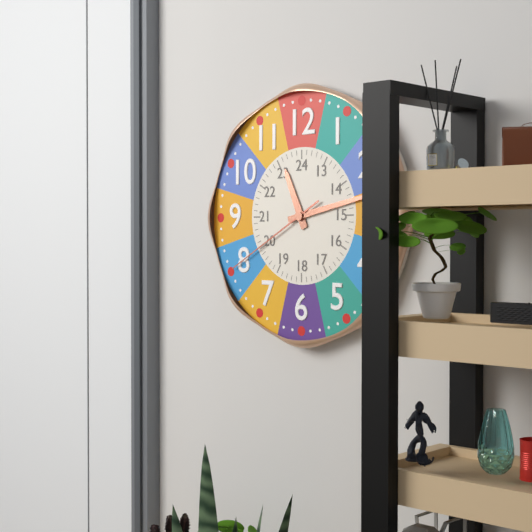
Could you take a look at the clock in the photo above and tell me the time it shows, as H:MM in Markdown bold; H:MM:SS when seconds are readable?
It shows **11:13:40**
